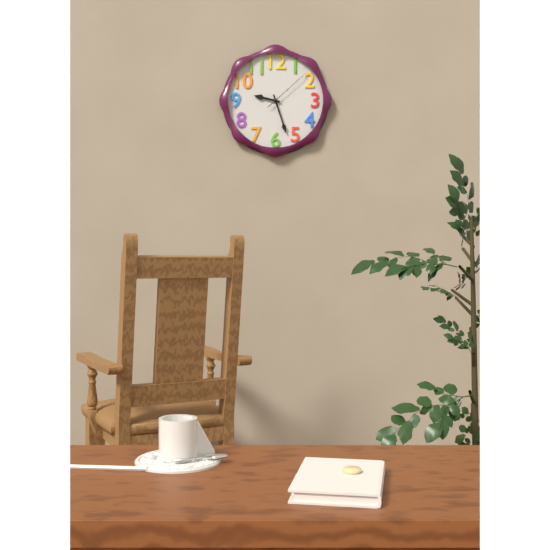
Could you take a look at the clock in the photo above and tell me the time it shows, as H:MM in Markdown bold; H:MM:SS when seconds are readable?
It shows **9:27:08**
